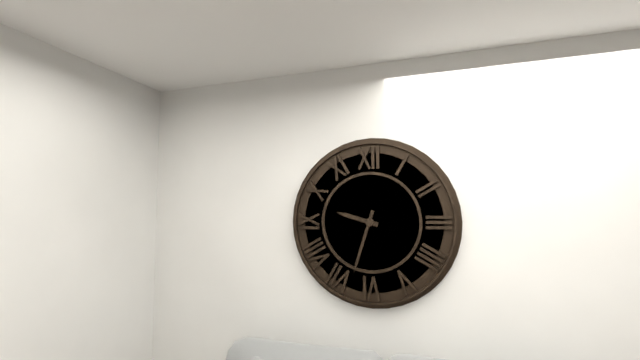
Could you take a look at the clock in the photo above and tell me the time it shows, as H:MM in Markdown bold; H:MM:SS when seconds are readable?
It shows **9:33**
